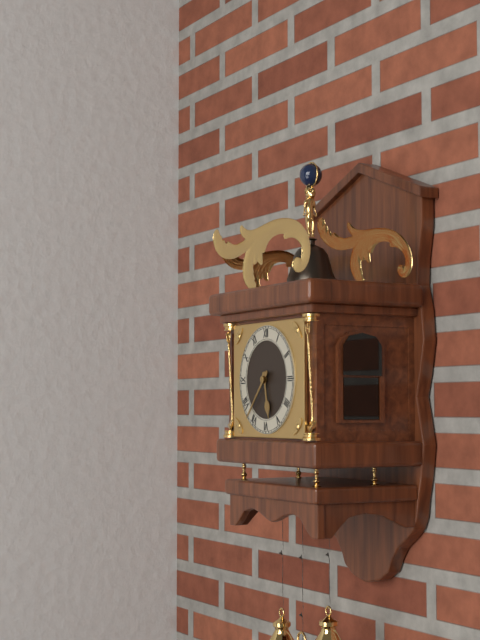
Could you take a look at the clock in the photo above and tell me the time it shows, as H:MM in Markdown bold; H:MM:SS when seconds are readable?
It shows **5:37**
